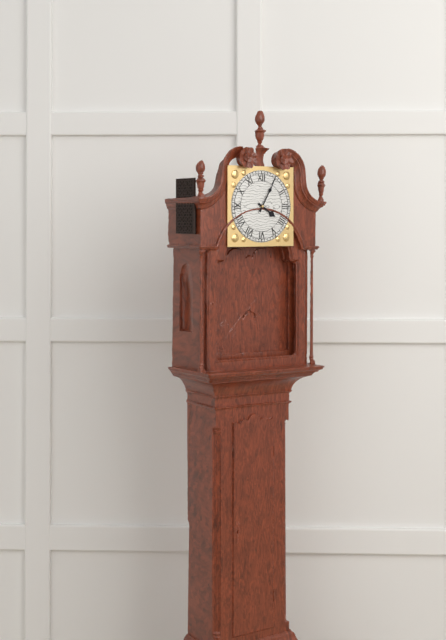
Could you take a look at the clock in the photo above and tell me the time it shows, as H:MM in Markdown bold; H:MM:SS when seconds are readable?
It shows **4:05**
